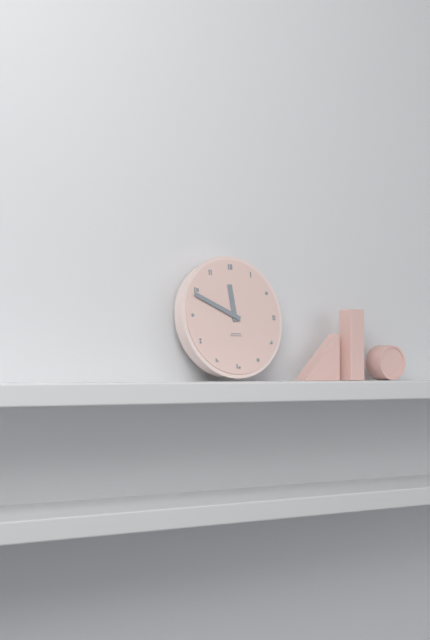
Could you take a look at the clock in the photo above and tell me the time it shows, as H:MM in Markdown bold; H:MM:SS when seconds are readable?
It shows **11:49**
